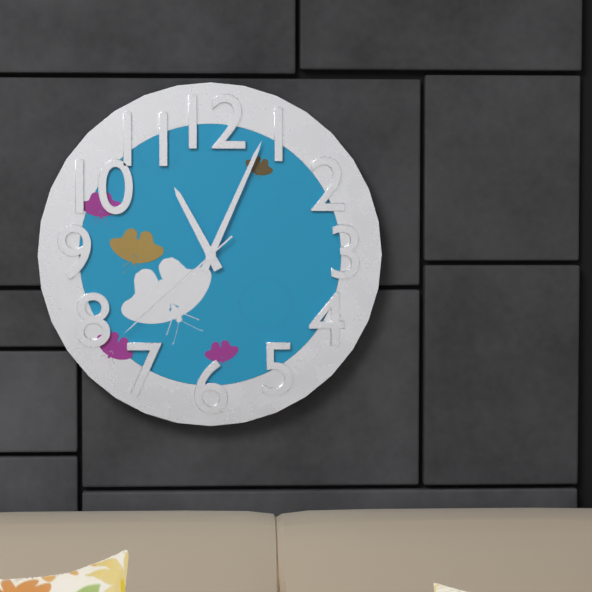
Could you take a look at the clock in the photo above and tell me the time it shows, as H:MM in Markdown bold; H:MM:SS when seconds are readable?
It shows **11:04:38**
